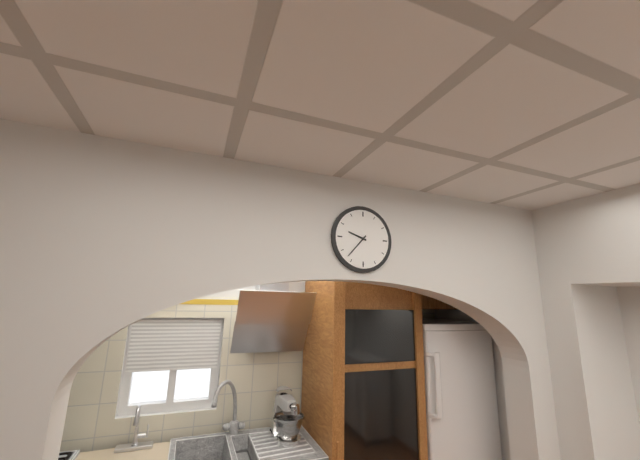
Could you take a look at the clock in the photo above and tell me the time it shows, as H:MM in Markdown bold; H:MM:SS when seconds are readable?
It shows **9:37**
